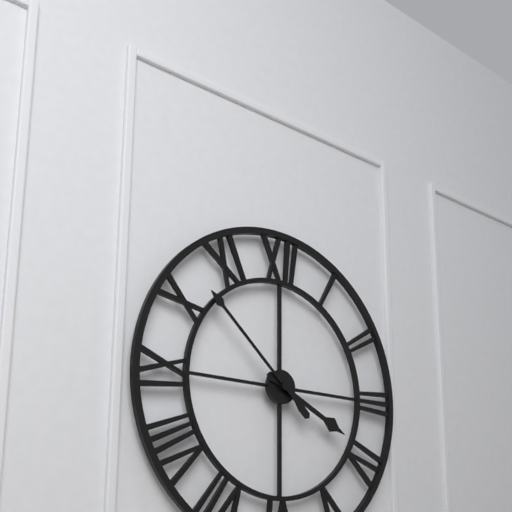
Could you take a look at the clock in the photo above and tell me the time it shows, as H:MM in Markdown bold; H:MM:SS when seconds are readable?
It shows **3:52**
